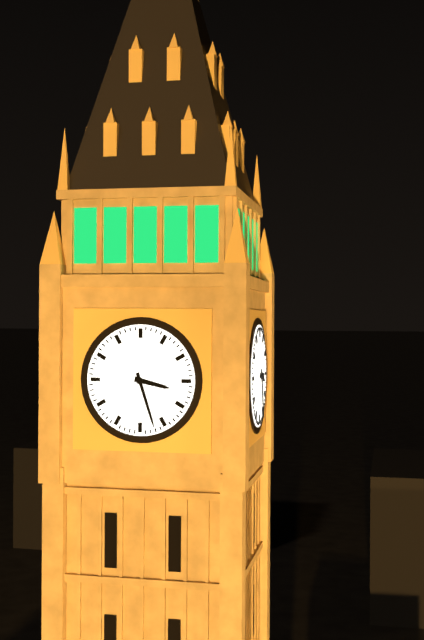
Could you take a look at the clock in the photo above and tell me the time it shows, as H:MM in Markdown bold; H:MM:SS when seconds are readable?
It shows **3:27**
